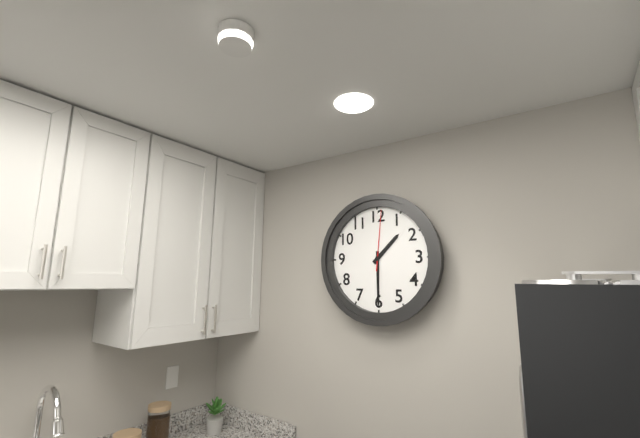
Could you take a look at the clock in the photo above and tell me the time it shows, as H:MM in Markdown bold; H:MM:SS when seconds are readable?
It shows **1:30:01**
